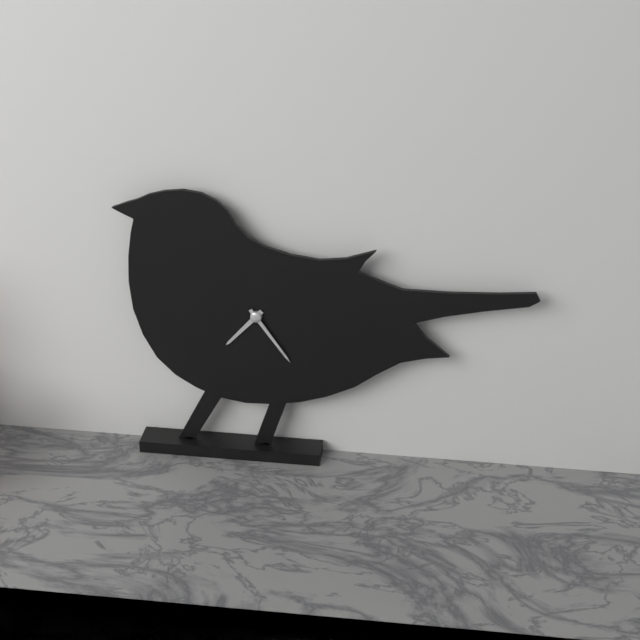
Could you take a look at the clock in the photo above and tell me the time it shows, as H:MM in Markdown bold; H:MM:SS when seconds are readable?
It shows **7:24**
